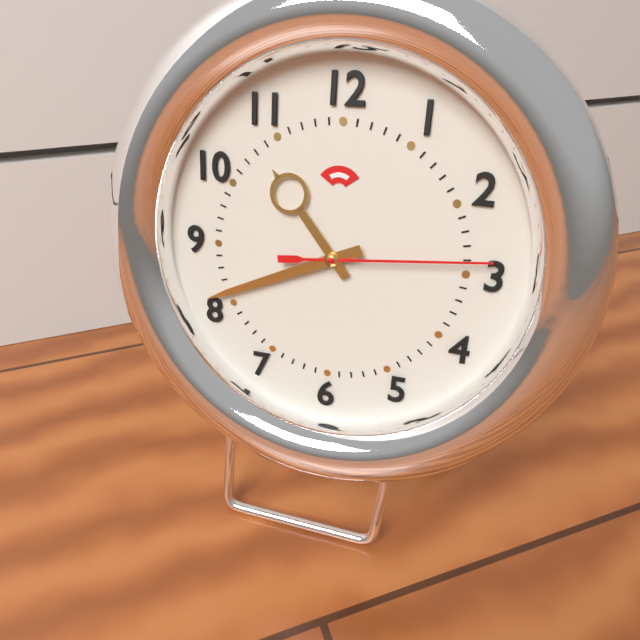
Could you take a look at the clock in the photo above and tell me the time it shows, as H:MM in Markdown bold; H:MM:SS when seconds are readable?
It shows **10:41:14**
